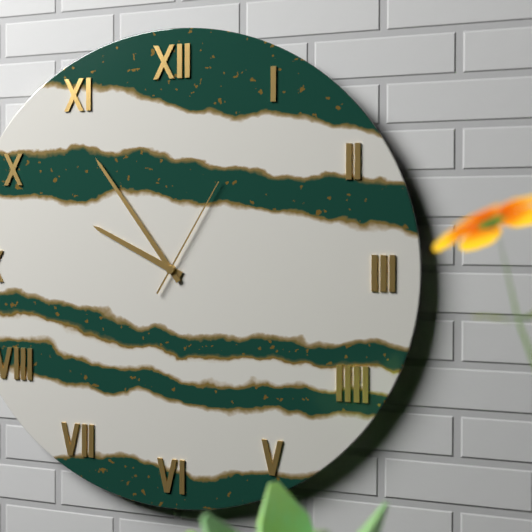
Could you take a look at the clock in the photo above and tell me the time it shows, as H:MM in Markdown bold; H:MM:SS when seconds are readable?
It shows **9:54:05**
